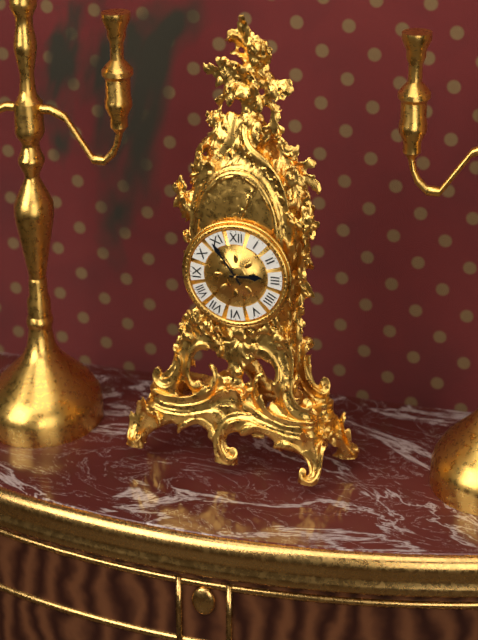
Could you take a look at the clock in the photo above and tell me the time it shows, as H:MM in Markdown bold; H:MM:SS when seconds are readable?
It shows **2:54**
